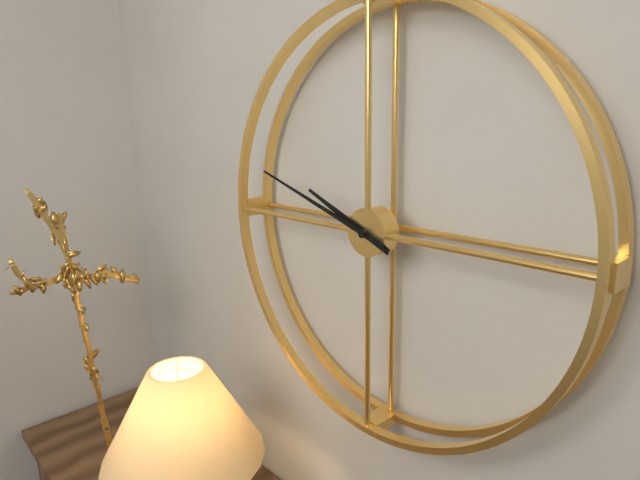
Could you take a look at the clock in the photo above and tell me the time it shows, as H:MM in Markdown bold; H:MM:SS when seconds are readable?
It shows **9:48**
